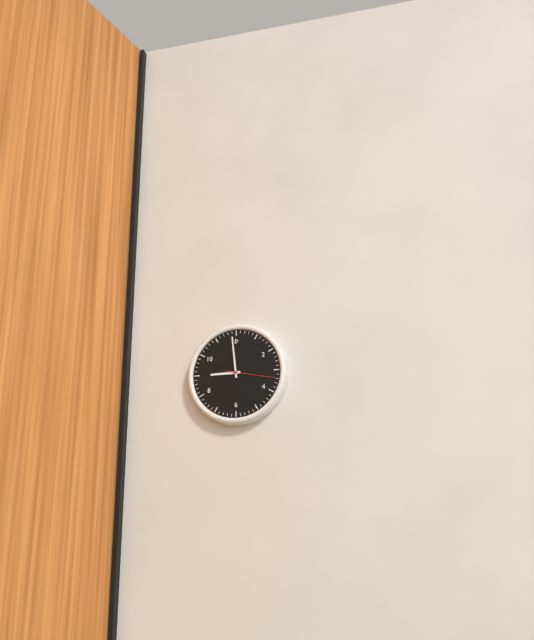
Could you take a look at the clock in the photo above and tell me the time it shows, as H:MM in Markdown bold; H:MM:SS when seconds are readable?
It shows **8:59**
